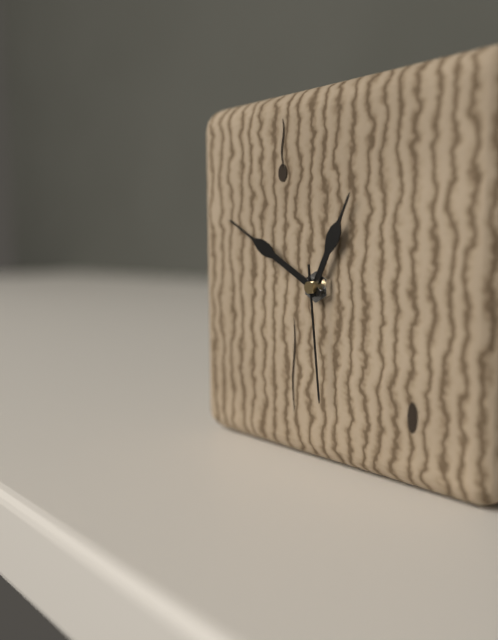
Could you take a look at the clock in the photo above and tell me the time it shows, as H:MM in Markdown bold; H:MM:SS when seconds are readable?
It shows **12:50:29**
